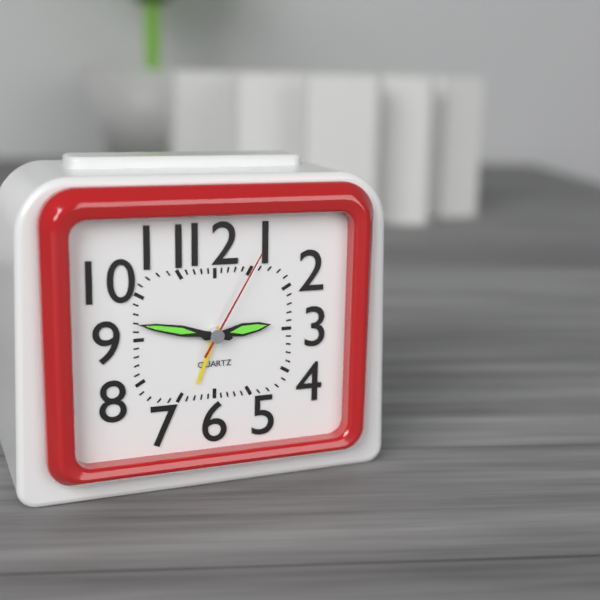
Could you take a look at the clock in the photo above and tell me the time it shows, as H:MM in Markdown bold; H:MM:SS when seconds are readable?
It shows **2:47:05**
